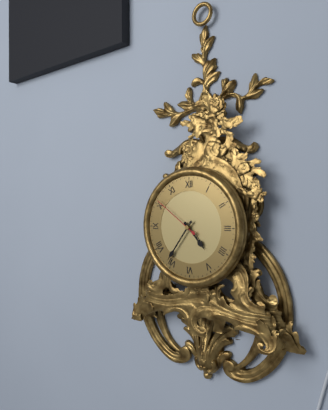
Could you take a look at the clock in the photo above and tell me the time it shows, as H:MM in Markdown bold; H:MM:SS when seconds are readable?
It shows **4:36:51**
